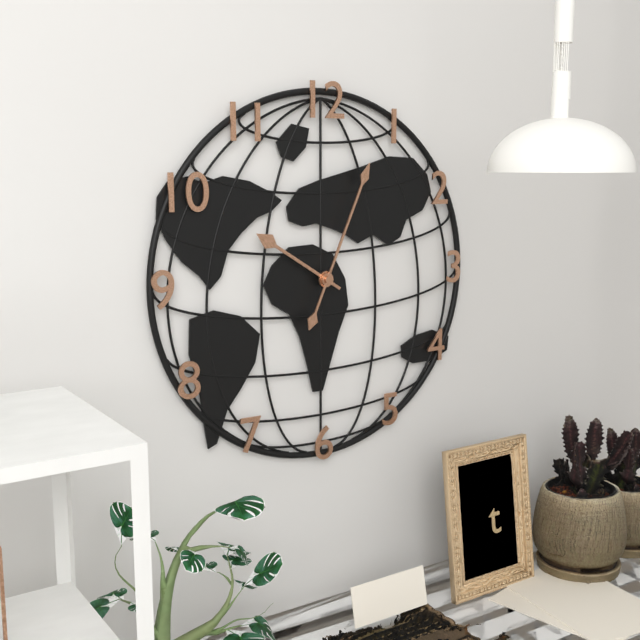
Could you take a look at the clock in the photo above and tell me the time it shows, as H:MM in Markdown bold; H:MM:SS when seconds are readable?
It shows **10:04**
